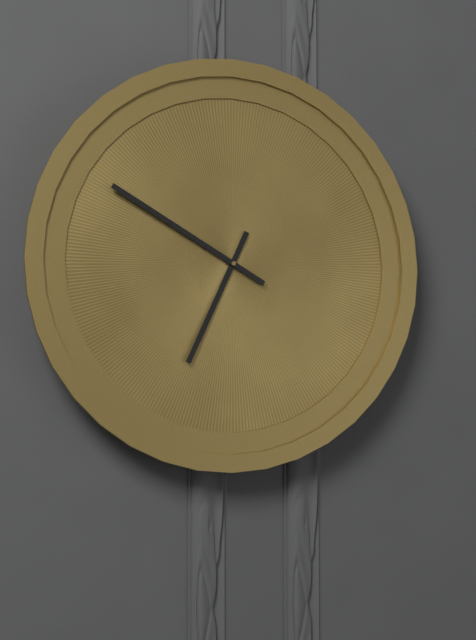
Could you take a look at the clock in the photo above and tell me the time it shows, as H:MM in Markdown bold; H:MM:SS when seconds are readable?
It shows **6:50**
